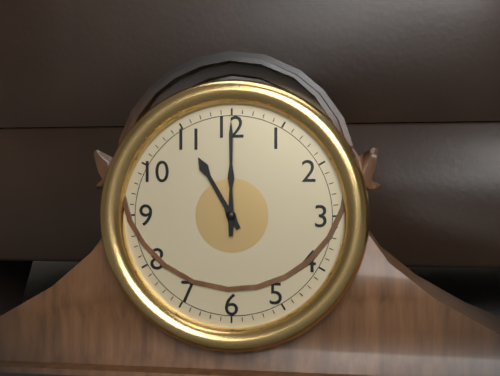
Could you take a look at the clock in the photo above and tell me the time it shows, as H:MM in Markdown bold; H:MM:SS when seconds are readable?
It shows **11:00**
